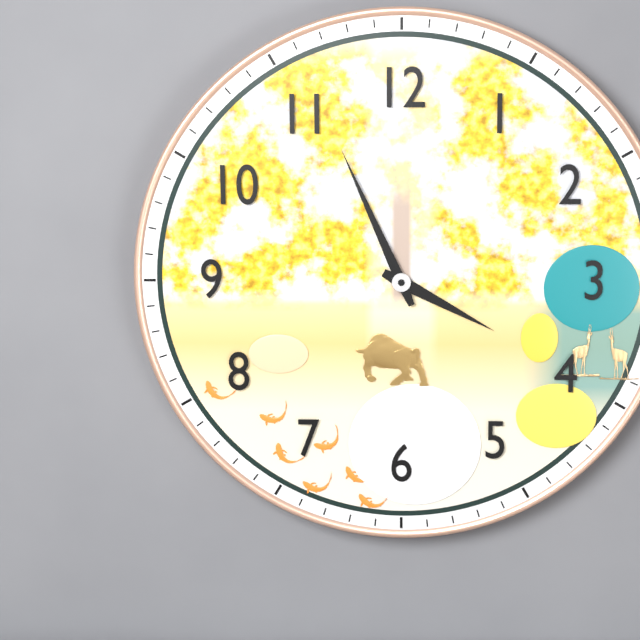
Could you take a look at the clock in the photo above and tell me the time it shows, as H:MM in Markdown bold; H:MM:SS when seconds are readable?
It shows **3:56**
